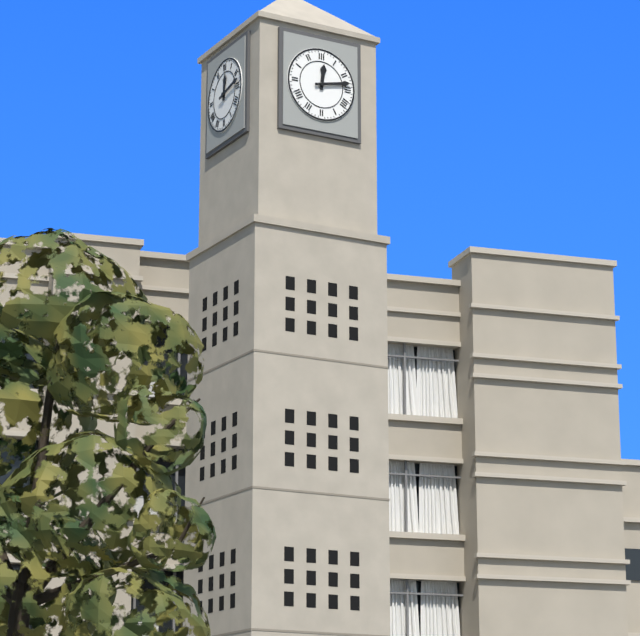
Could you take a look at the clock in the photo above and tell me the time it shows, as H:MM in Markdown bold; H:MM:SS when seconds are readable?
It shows **12:13**
